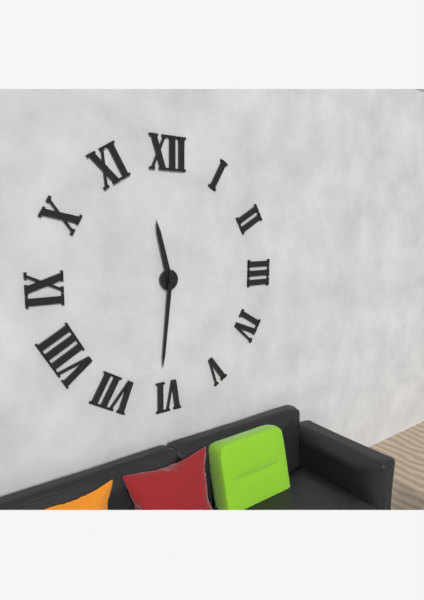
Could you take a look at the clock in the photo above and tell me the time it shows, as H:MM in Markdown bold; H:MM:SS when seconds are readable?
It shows **11:31**
